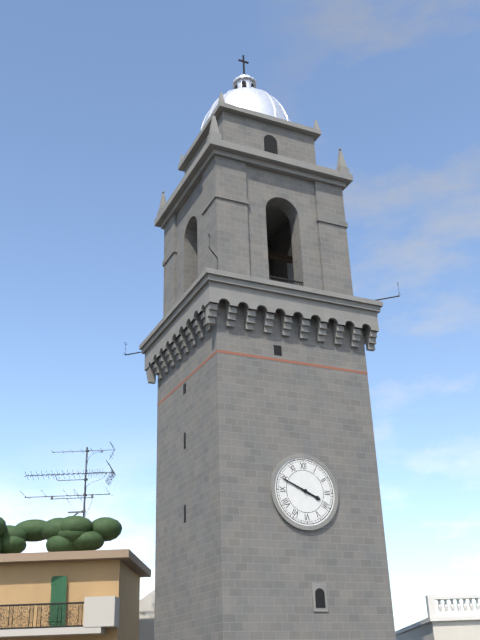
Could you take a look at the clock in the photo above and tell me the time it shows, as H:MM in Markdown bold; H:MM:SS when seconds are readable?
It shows **3:49**
